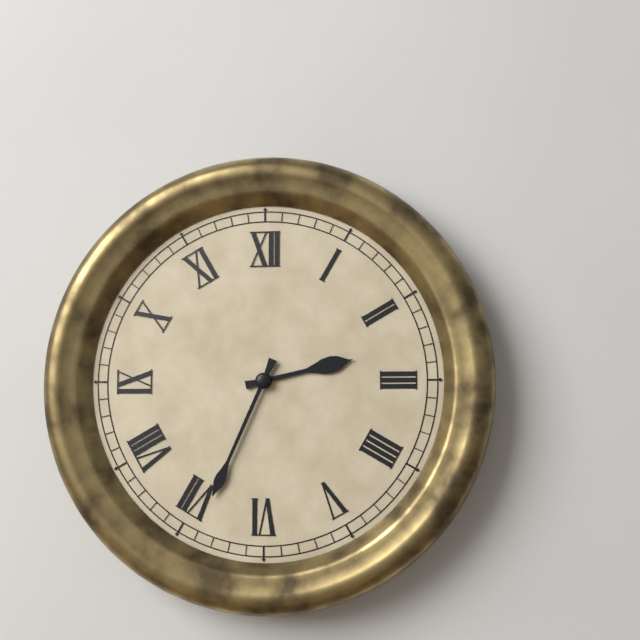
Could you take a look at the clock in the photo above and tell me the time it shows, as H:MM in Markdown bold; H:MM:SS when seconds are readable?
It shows **2:34**
